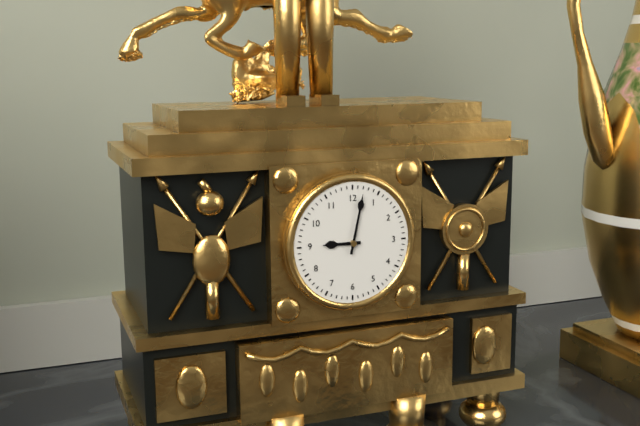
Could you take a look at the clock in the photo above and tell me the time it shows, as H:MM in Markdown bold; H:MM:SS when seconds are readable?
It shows **9:02**
